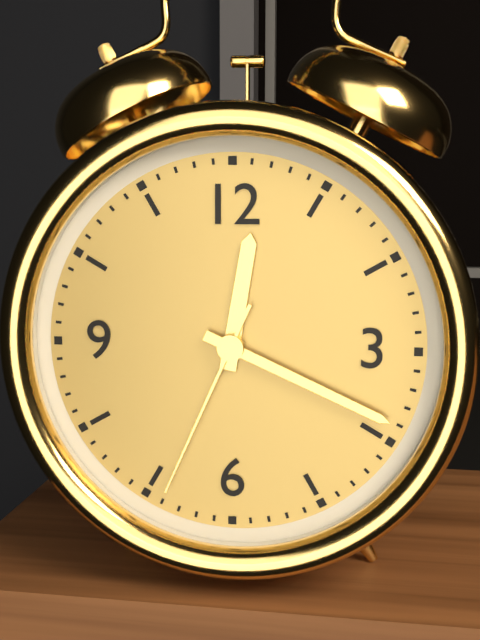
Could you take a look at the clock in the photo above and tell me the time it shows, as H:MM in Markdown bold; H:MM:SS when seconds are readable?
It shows **12:19:34**
